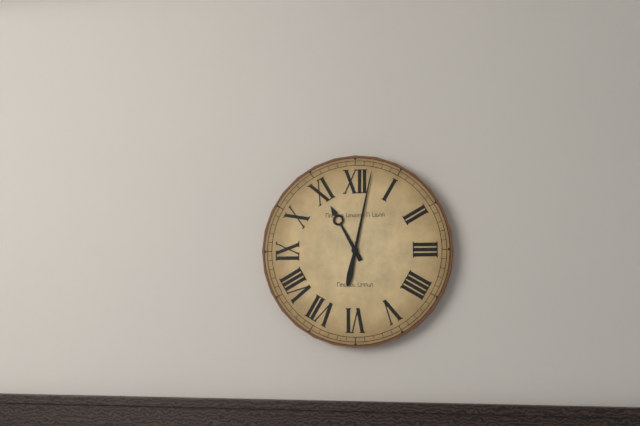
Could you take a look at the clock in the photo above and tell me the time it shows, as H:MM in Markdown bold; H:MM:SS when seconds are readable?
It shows **11:02**
